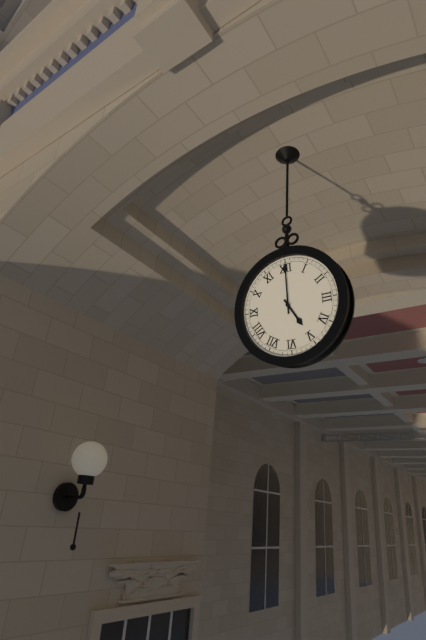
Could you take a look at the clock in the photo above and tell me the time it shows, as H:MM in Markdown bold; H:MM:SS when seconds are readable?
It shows **5:00**
